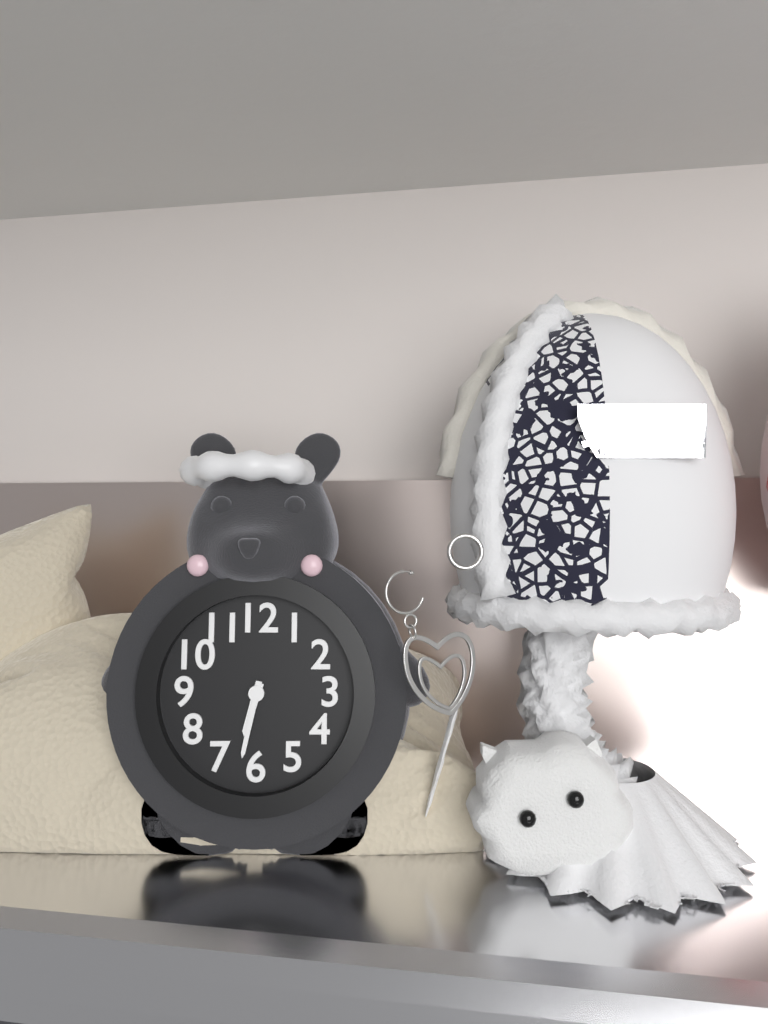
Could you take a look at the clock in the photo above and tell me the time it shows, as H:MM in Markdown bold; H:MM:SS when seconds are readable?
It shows **6:32**
